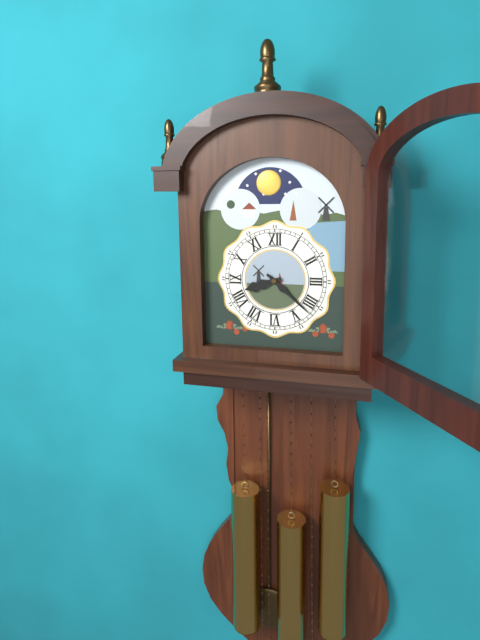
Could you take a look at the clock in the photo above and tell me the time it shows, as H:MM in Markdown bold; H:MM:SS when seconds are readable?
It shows **8:22**
